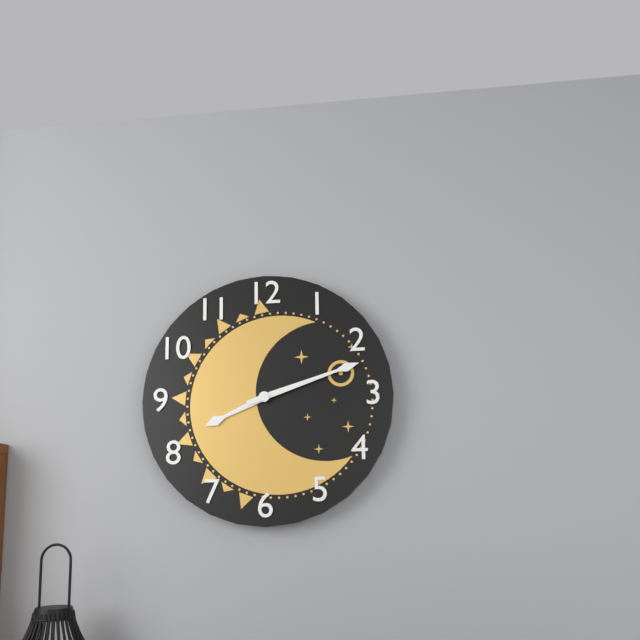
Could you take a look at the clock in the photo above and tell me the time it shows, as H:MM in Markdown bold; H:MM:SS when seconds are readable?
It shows **8:12**
